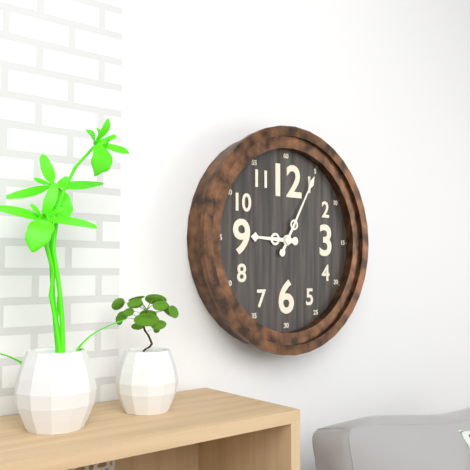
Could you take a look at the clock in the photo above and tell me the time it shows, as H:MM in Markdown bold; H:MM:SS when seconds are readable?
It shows **9:05**
